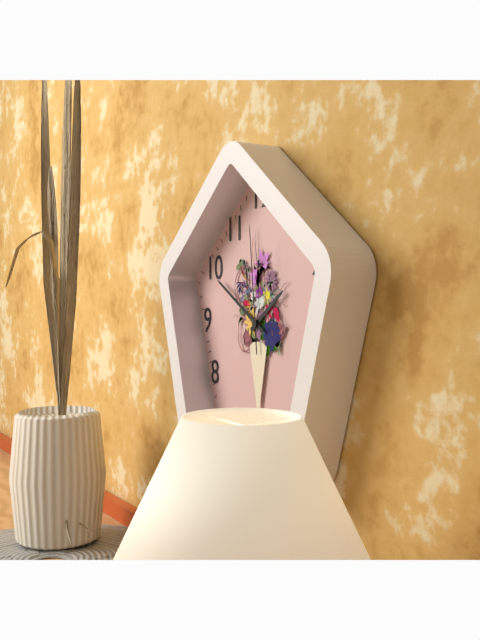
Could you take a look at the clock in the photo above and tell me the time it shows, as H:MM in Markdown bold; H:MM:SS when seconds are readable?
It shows **1:50:59**
